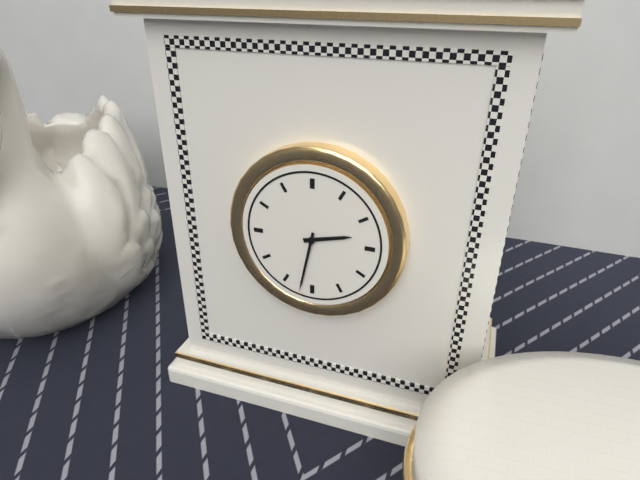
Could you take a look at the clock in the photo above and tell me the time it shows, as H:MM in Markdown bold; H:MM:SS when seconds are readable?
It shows **2:32**
